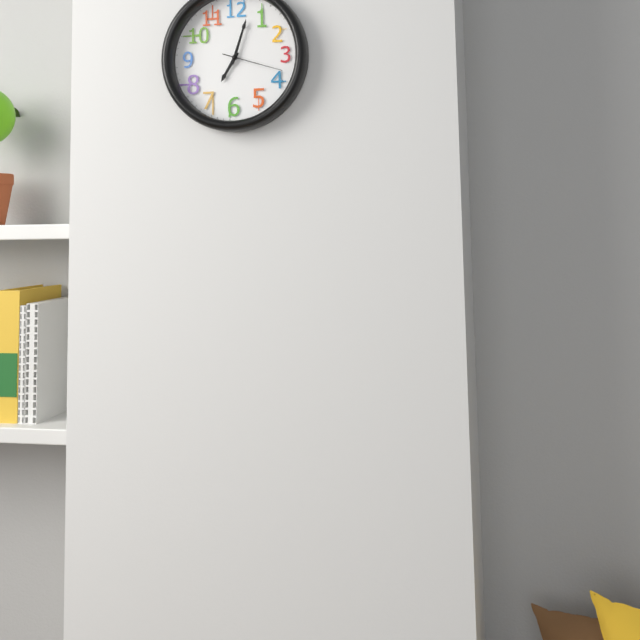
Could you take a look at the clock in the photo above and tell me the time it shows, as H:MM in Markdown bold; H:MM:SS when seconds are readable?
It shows **7:03:18**
